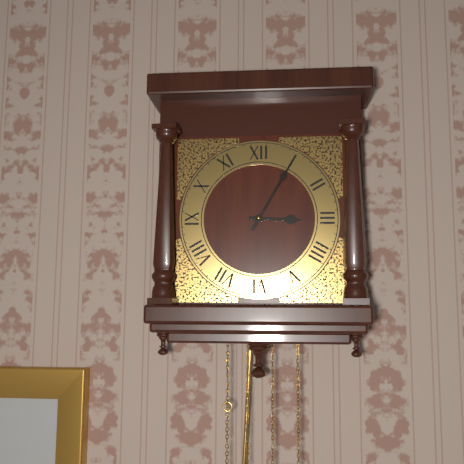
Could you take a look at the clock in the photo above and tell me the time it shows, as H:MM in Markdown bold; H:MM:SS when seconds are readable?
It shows **3:05**
